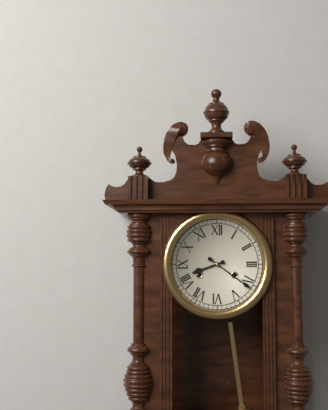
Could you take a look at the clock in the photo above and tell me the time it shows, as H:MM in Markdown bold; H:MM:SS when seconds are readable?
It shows **8:21**
